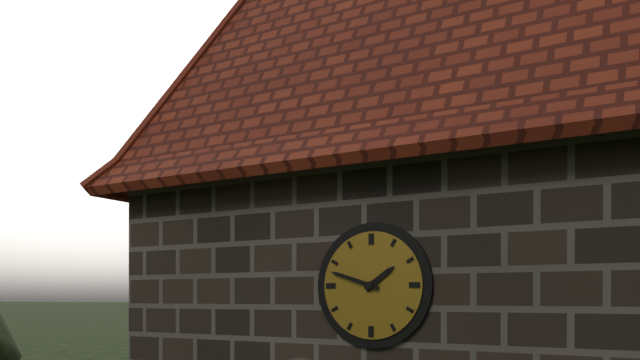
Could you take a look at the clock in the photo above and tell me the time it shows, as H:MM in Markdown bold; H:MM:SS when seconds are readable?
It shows **1:48**
